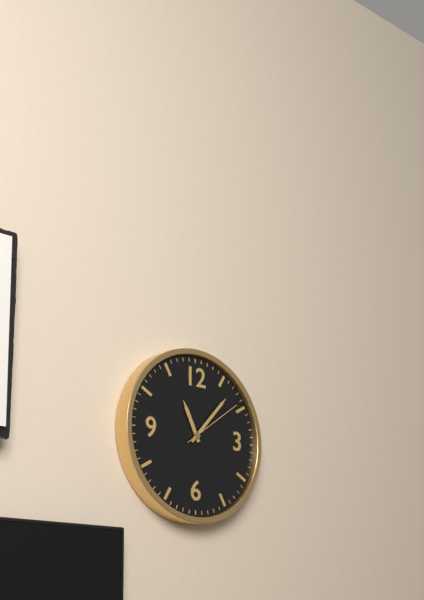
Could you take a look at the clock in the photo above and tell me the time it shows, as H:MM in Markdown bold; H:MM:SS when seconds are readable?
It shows **11:07:09**
